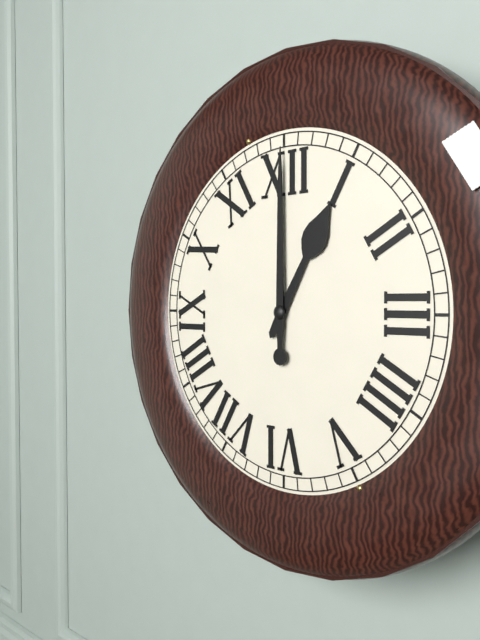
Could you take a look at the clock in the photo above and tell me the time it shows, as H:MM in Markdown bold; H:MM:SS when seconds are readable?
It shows **1:00**
